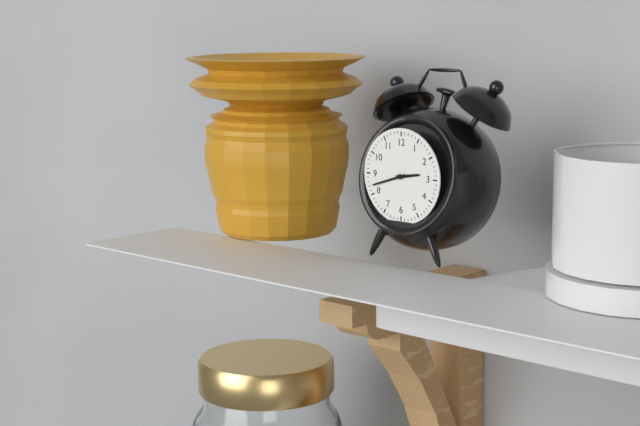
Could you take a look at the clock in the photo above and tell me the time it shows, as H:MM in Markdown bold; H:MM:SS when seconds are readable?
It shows **2:42**
